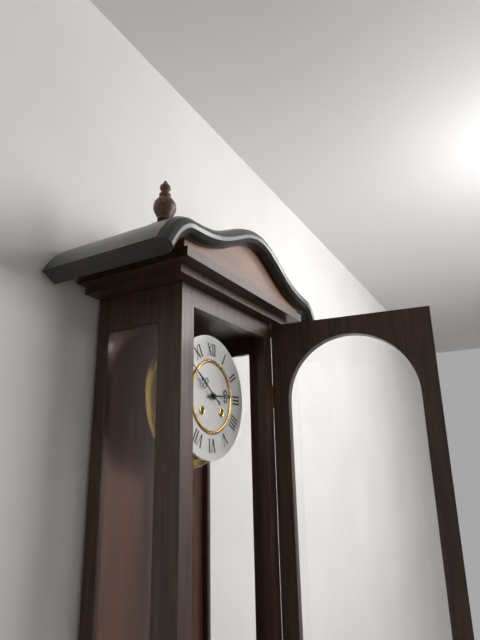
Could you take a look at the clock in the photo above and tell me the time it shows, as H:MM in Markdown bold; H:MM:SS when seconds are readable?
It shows **2:51**
